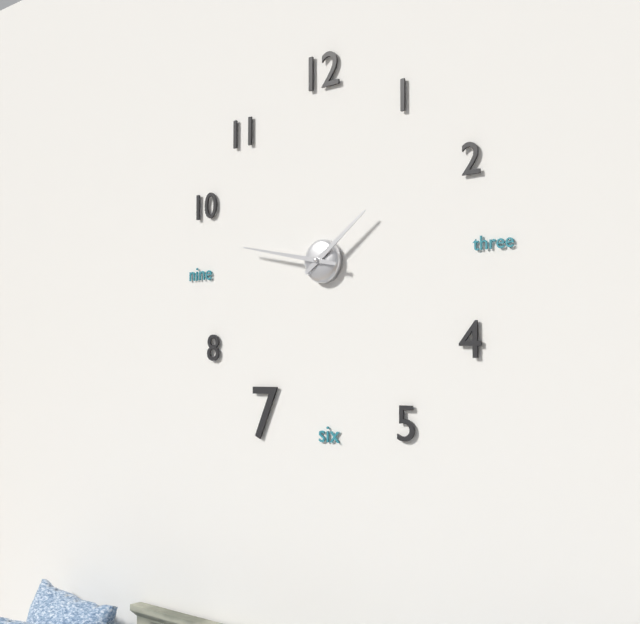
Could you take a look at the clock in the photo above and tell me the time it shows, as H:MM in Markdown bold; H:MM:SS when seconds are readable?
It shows **1:47**
